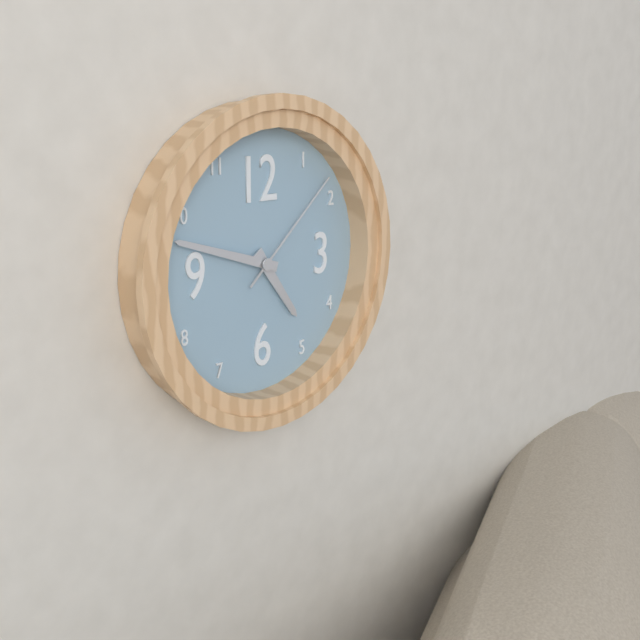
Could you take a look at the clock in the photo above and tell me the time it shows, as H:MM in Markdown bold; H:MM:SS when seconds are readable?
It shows **4:48:08**
